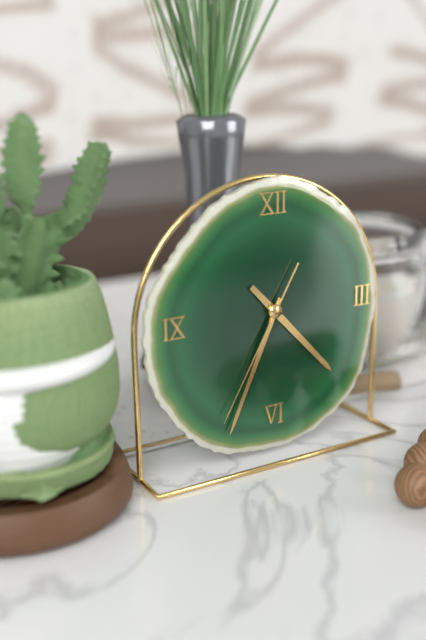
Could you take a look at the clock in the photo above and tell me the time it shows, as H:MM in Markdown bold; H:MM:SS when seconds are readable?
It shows **4:34:35**
